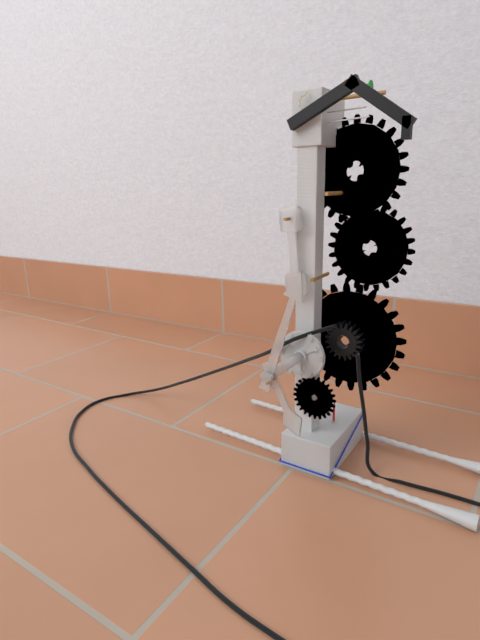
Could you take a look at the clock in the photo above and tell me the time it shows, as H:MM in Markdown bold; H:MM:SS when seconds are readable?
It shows **5:03**
